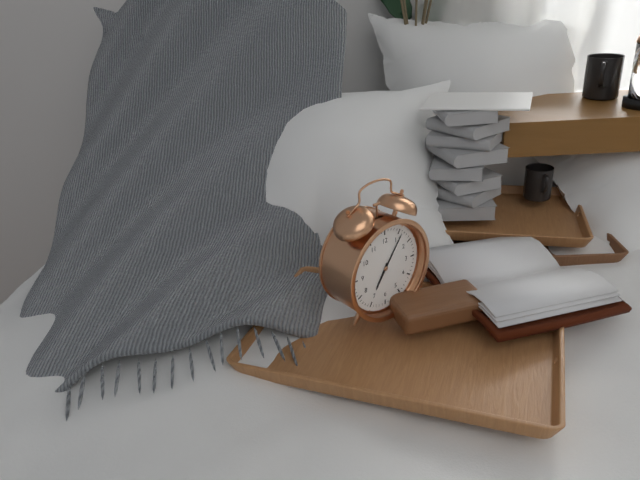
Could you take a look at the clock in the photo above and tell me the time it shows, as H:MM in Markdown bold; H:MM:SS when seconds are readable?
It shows **7:06**
